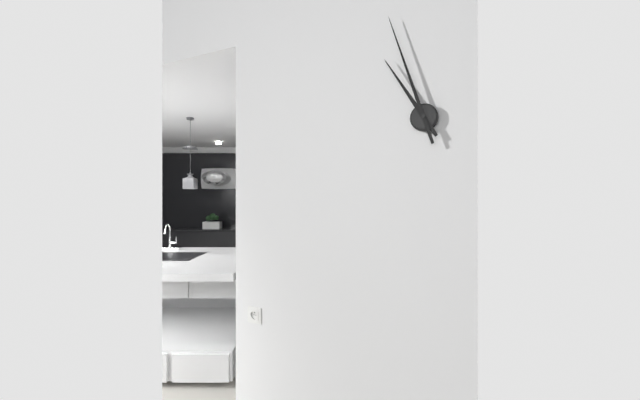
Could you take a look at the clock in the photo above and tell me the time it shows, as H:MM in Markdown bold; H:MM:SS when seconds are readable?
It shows **10:57**
